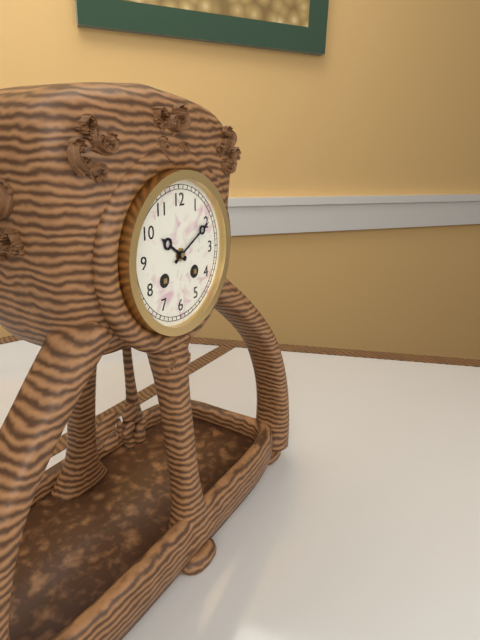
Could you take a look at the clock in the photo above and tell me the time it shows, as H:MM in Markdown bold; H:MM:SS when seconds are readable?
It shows **10:10**
